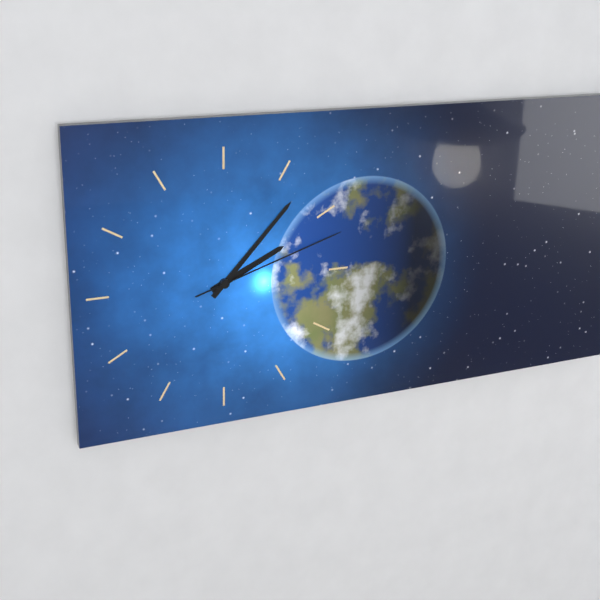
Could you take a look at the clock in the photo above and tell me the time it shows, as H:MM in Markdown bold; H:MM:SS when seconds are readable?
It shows **2:07:12**
